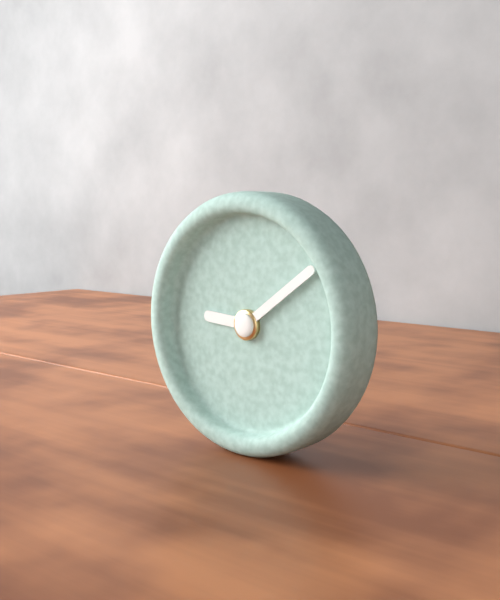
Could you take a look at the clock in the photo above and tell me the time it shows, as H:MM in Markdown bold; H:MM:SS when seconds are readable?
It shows **9:09**
